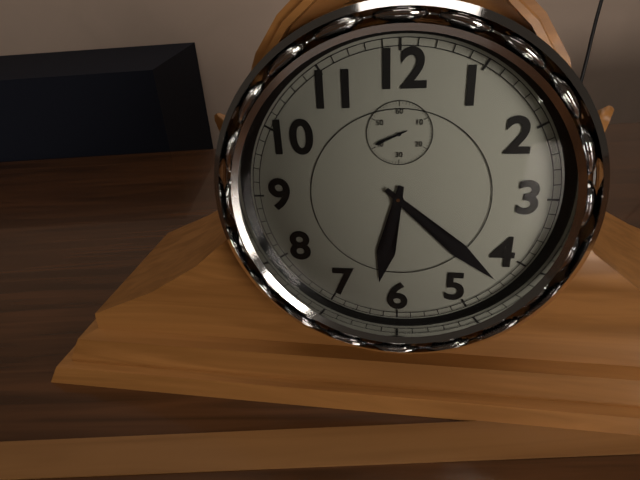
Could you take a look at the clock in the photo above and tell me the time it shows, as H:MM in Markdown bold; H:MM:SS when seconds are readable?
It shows **6:22**
